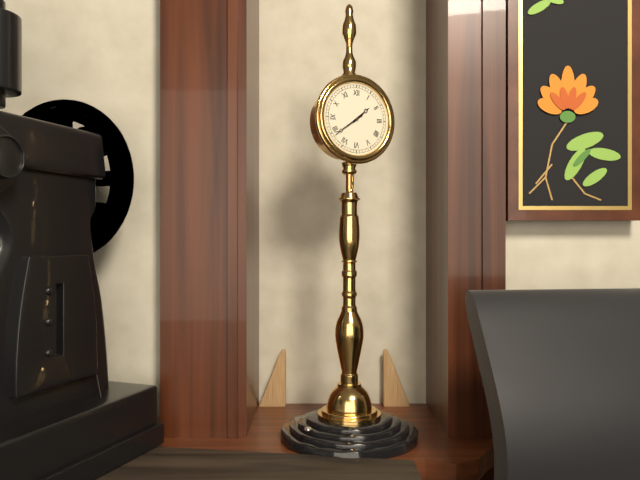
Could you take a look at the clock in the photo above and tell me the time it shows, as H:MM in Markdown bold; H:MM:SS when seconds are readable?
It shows **1:39**
